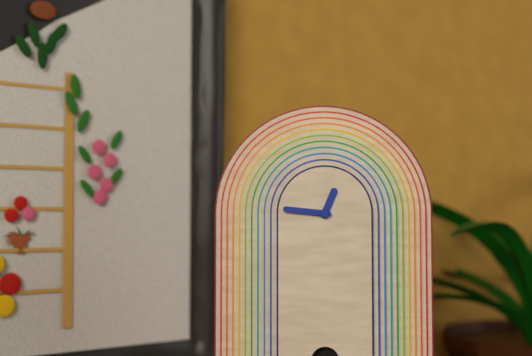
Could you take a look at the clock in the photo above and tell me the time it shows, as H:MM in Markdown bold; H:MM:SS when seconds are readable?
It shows **12:46**
